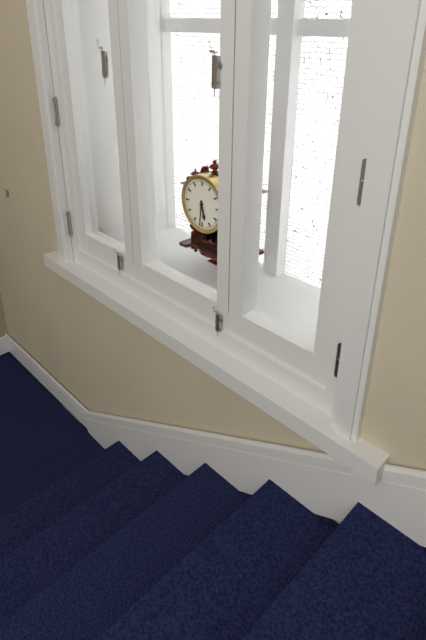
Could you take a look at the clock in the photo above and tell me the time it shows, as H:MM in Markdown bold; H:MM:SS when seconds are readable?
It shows **5:31**
